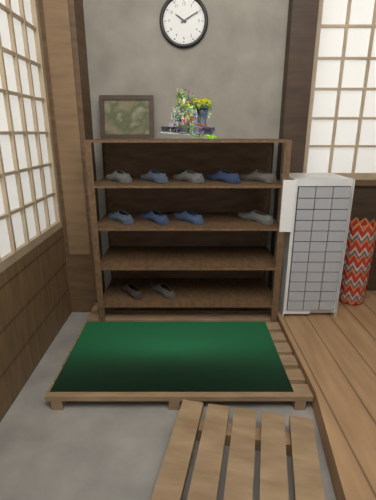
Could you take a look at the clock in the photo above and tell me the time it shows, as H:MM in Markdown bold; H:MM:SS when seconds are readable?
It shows **10:10**
